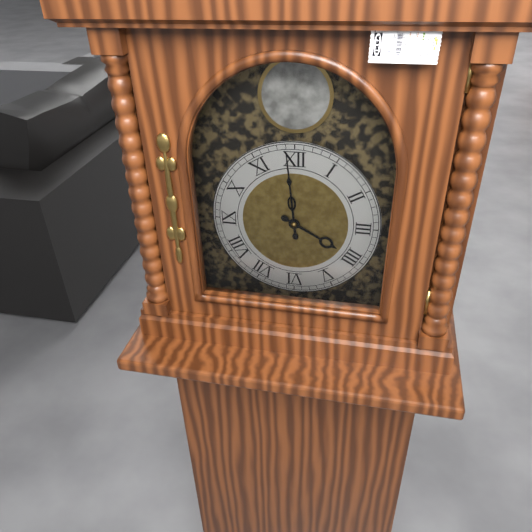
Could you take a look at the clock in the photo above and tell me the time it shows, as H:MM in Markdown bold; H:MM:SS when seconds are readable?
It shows **3:59**
